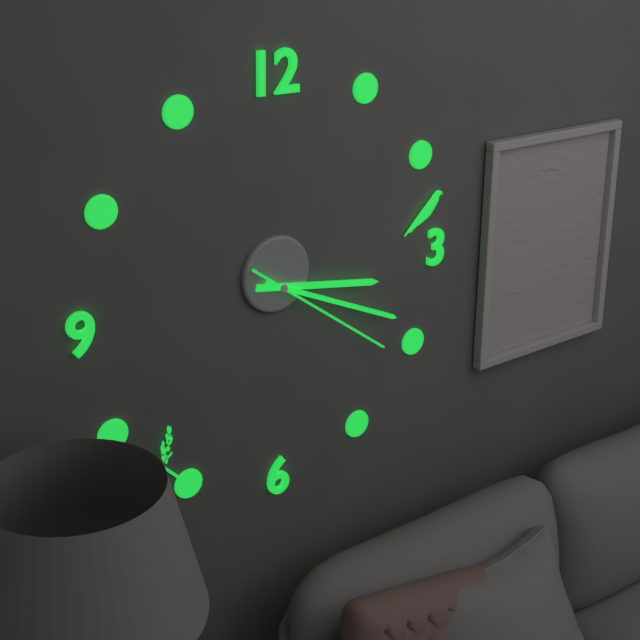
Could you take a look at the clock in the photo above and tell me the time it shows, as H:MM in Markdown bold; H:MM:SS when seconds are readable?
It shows **3:19:21**
